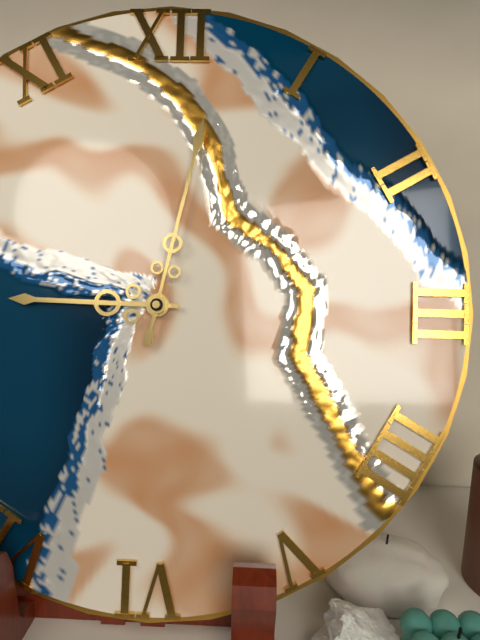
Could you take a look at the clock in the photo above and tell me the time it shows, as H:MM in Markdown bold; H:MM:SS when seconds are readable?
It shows **9:02**
